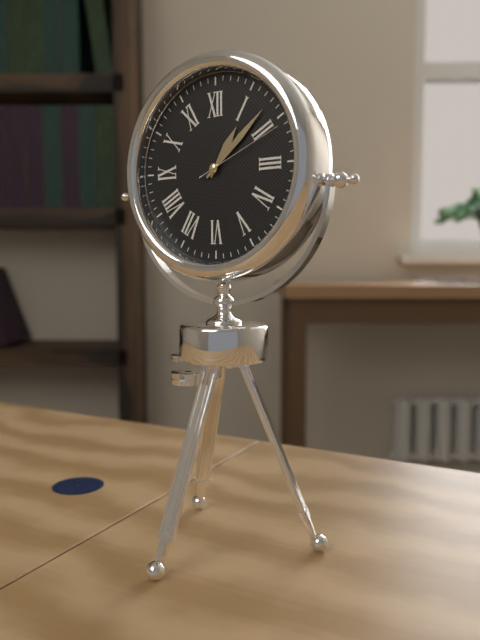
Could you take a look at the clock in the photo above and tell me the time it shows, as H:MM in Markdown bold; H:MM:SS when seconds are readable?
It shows **1:08:11**
